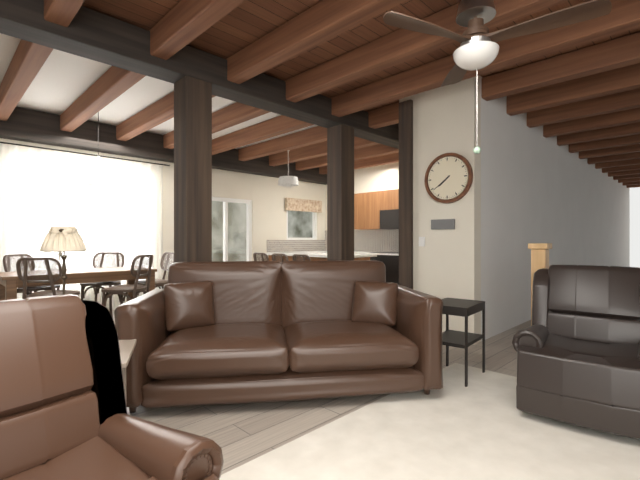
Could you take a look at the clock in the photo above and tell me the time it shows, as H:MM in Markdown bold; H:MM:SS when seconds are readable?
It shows **7:39**
